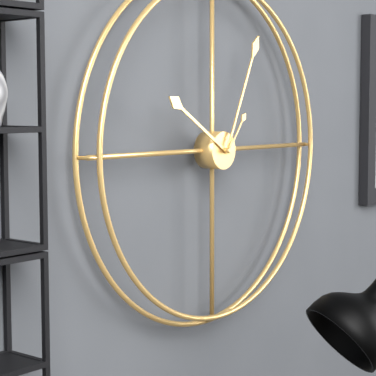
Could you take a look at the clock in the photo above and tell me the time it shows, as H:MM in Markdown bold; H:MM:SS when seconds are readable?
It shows **10:04:06**
